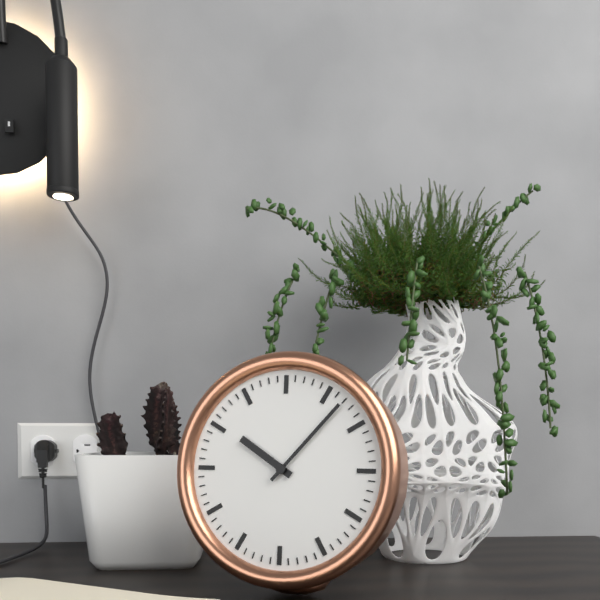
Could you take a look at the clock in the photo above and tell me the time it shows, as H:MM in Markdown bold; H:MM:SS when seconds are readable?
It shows **10:07**
